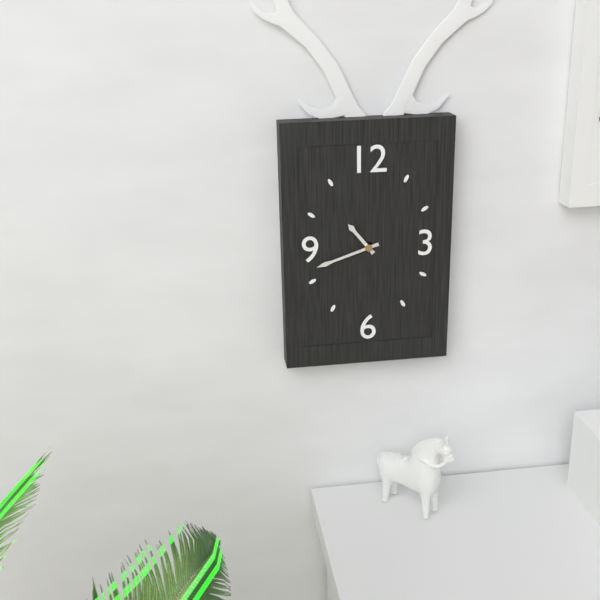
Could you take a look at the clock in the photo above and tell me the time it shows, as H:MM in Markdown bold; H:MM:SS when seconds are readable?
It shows **10:42**
